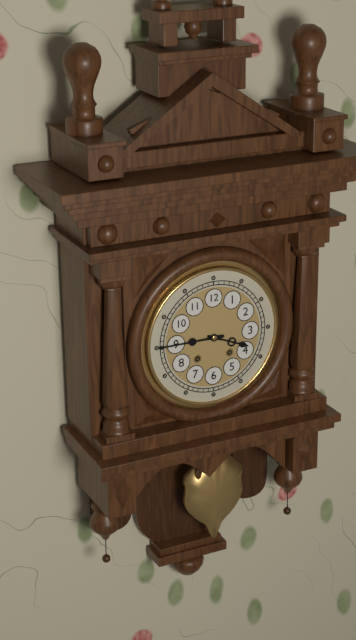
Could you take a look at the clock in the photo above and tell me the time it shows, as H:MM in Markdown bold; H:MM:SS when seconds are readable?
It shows **3:45**
